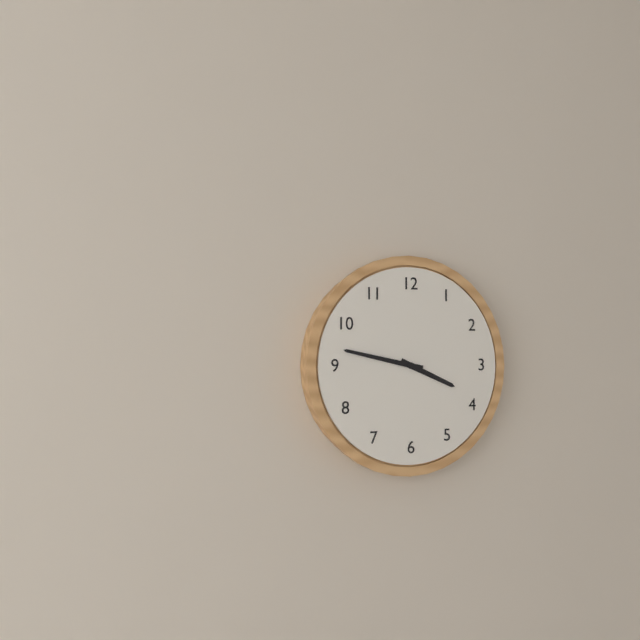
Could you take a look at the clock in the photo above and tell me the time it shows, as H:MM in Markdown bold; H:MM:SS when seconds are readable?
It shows **3:47**
